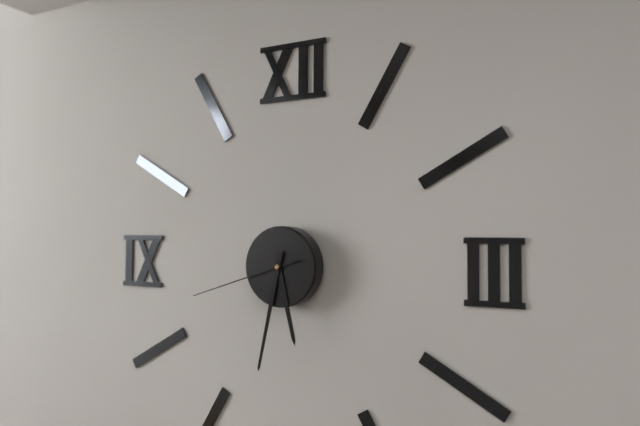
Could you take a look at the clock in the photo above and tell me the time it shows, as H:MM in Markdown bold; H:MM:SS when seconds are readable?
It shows **5:32:42**
